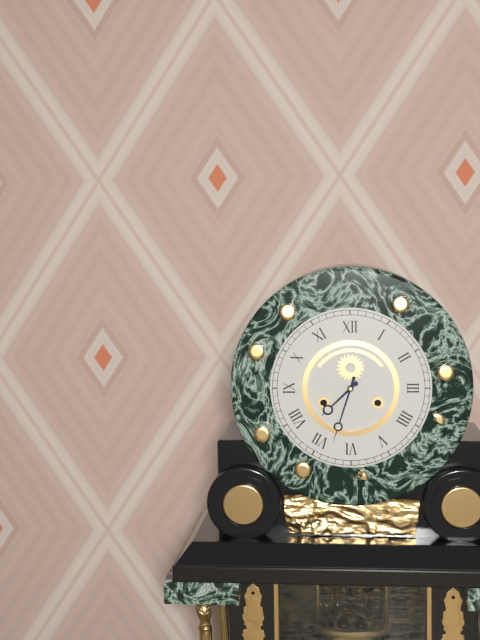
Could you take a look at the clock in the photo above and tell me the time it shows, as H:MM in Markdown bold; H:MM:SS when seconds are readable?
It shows **7:33**
